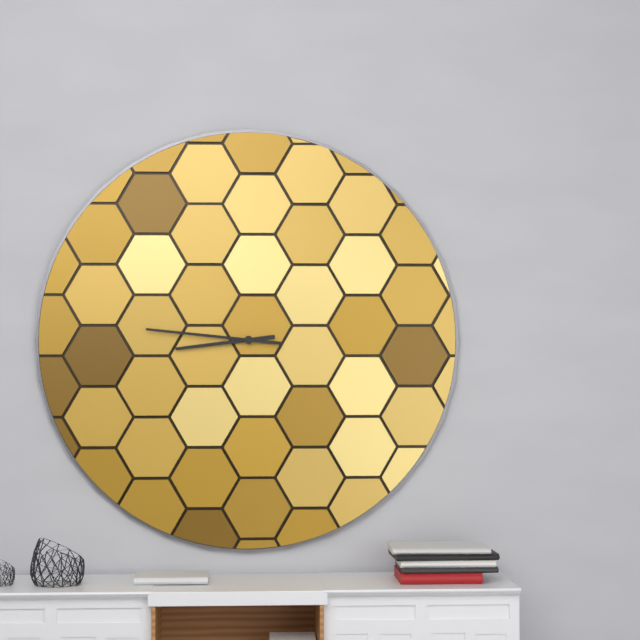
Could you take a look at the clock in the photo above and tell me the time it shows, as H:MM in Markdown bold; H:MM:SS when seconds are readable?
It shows **8:46**
